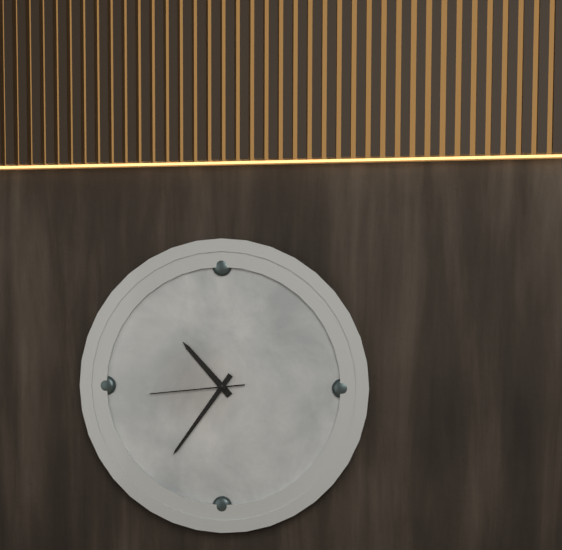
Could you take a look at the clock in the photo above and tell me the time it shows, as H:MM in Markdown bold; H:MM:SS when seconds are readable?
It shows **10:36:44**
